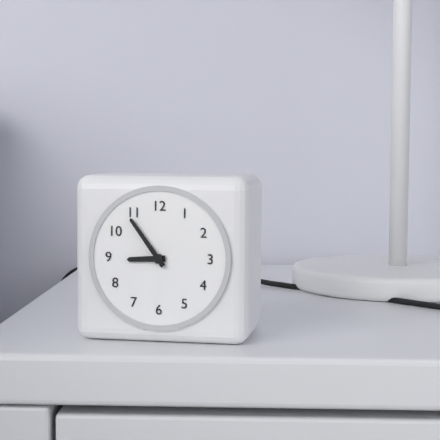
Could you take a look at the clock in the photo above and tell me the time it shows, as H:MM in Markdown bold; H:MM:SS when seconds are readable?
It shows **8:54**
